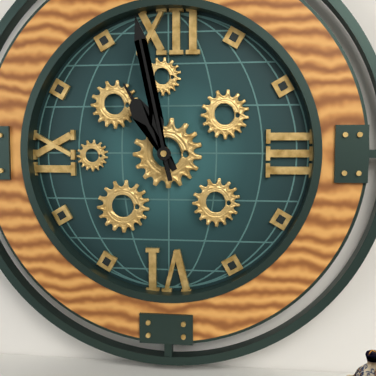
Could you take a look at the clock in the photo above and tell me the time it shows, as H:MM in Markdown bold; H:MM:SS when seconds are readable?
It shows **10:58**
